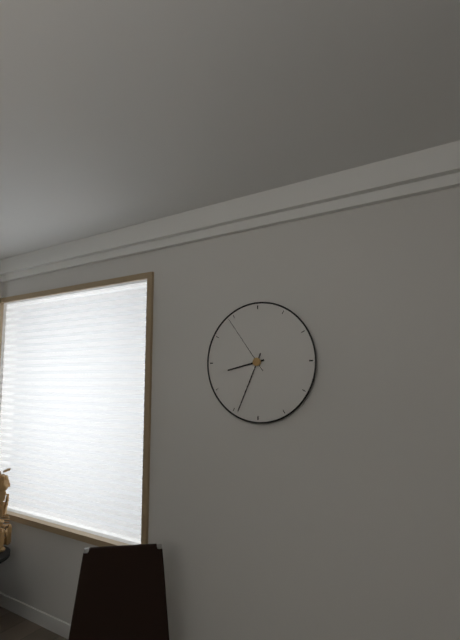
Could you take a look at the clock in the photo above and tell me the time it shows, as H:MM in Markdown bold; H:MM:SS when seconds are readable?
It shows **8:34:54**
